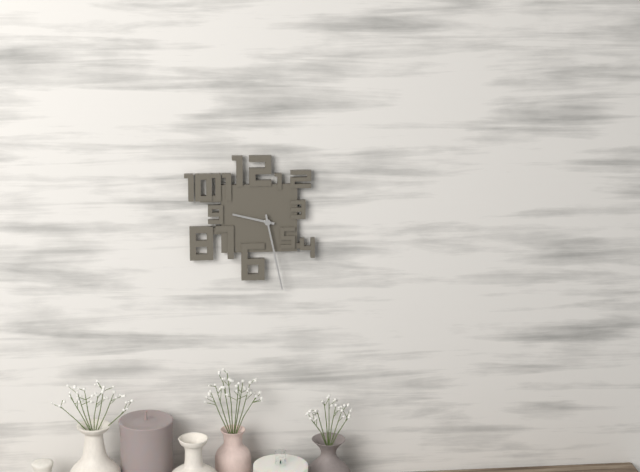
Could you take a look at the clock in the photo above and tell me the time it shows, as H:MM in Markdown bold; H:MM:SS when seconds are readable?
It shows **9:28**
